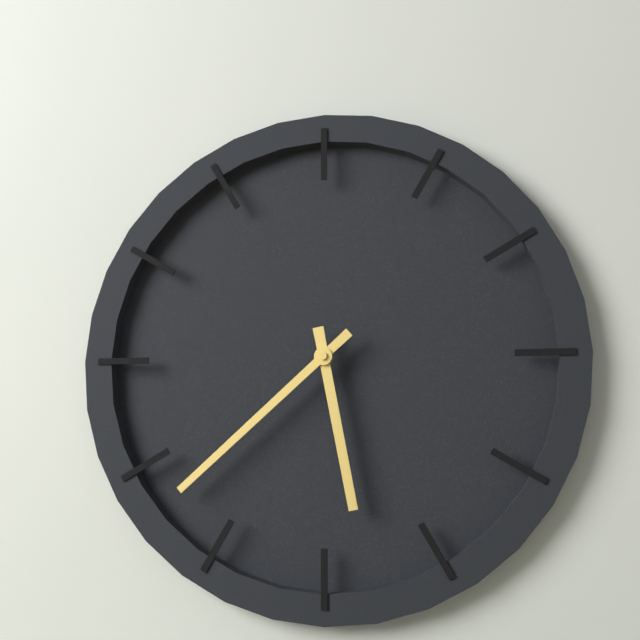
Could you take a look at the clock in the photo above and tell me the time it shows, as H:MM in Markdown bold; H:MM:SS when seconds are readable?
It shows **5:38**
